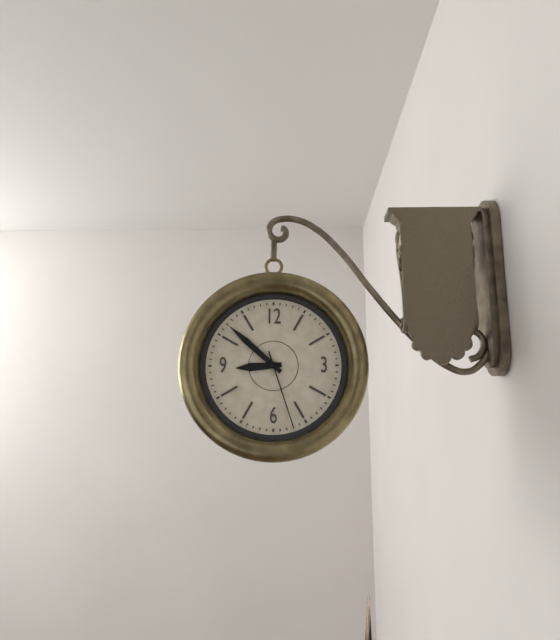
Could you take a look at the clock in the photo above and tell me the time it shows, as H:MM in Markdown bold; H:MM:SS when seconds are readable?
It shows **8:52:27**
